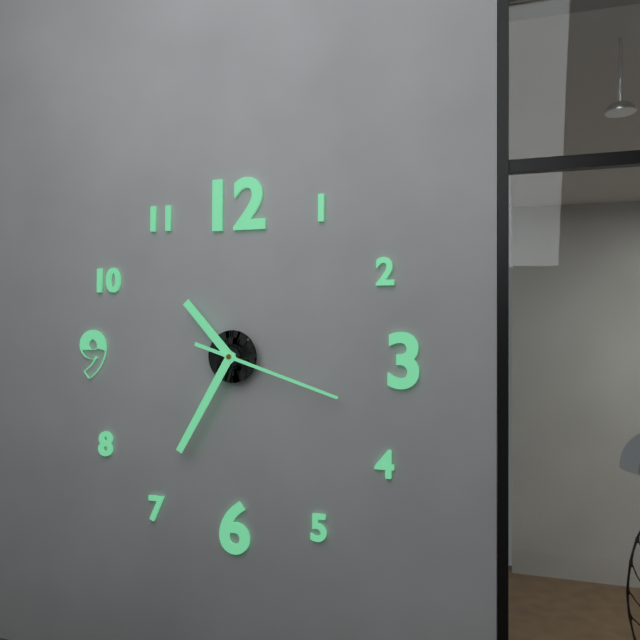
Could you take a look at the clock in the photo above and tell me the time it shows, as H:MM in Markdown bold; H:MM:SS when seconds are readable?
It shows **10:35:18**
